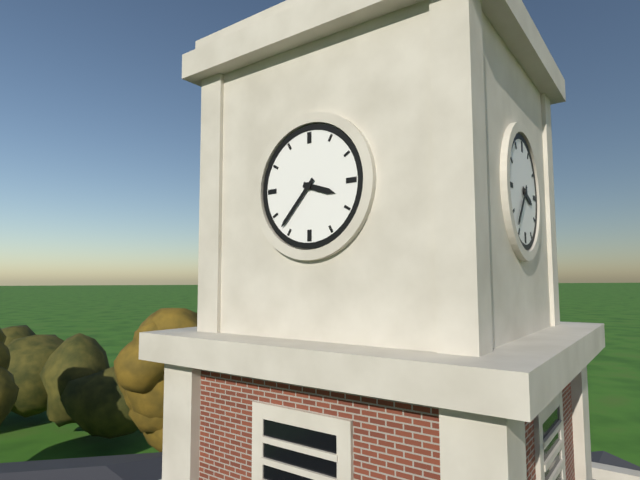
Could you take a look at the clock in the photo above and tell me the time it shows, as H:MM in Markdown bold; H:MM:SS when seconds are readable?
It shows **3:37**
